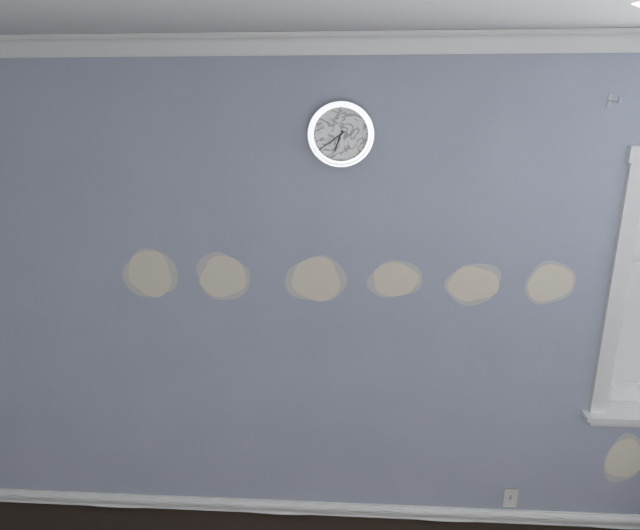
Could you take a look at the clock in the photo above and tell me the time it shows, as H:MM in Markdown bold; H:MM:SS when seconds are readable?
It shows **6:39**
